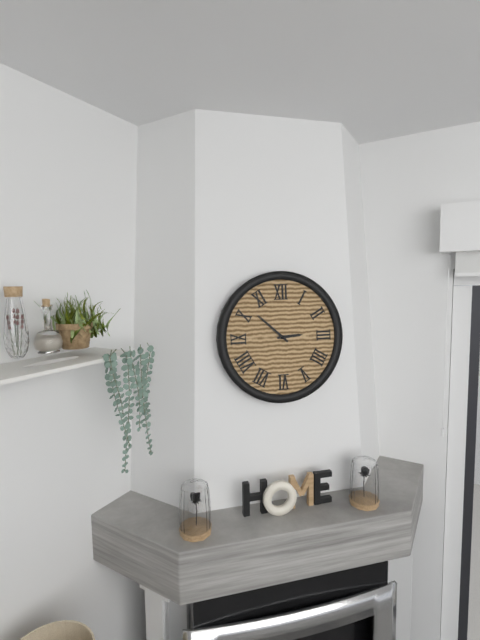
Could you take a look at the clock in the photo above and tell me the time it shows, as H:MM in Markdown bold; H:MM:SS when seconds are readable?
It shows **2:52**
